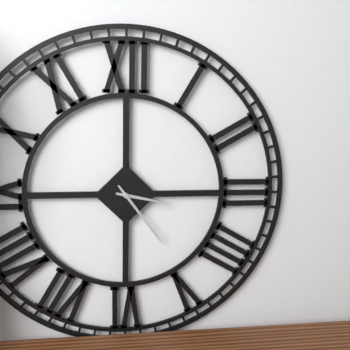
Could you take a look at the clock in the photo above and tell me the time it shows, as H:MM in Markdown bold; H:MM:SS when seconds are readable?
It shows **3:24**
